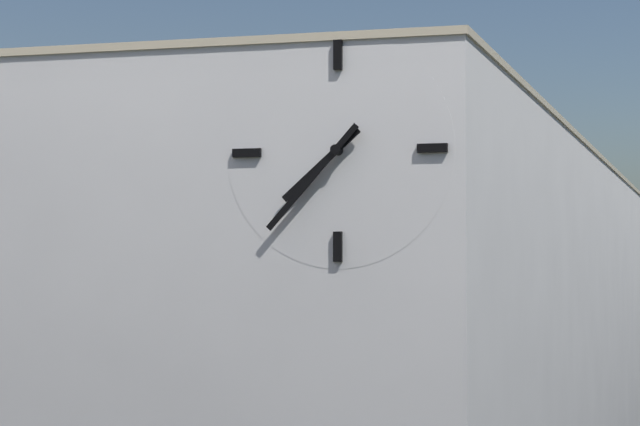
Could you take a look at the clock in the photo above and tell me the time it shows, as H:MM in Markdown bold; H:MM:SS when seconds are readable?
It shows **7:37**
